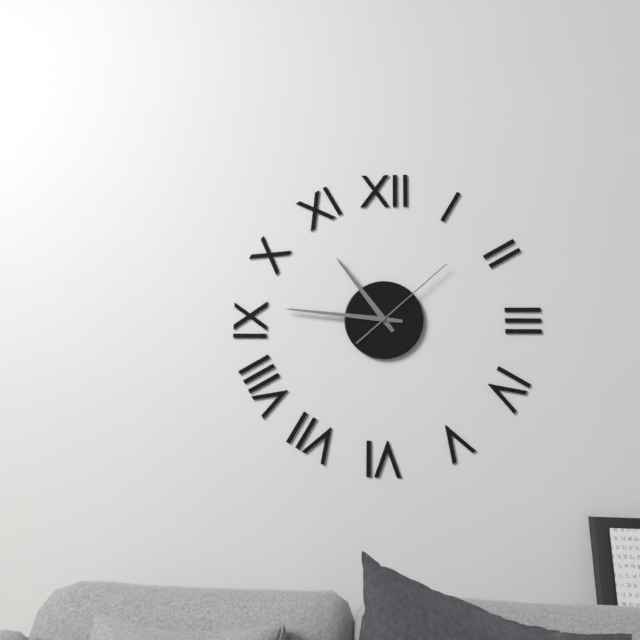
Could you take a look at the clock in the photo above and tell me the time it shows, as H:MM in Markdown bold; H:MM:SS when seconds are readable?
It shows **10:46:08**
